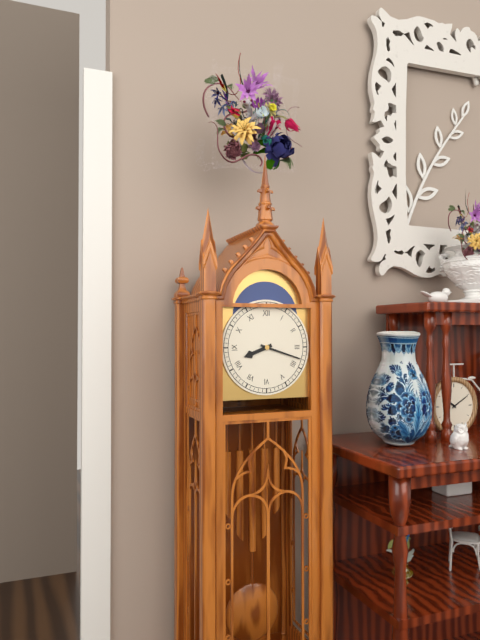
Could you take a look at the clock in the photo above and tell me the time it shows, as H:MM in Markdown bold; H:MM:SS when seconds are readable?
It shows **8:18**
